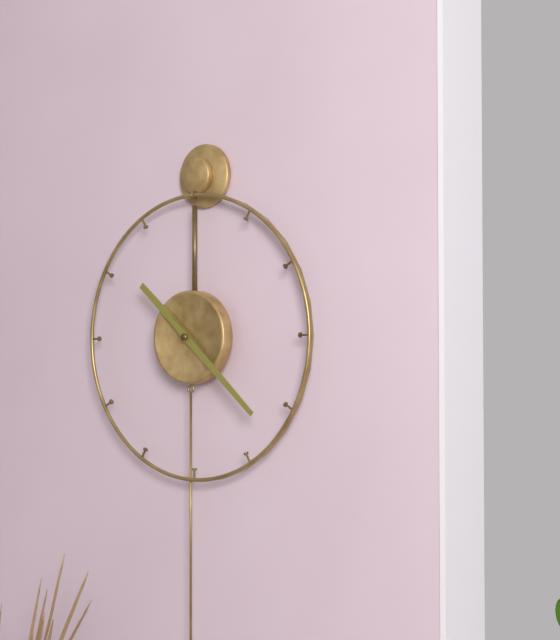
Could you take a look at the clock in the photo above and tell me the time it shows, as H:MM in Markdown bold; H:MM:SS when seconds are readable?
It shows **10:22**
